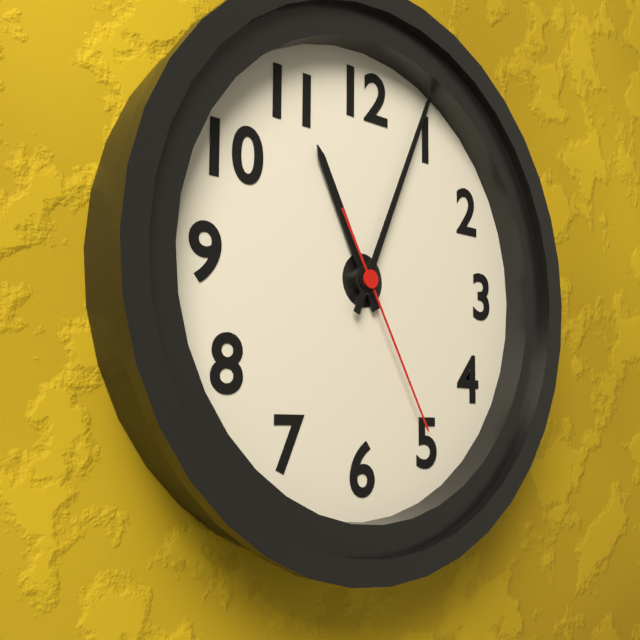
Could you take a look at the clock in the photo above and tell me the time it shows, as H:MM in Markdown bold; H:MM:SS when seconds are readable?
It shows **11:04:25**
